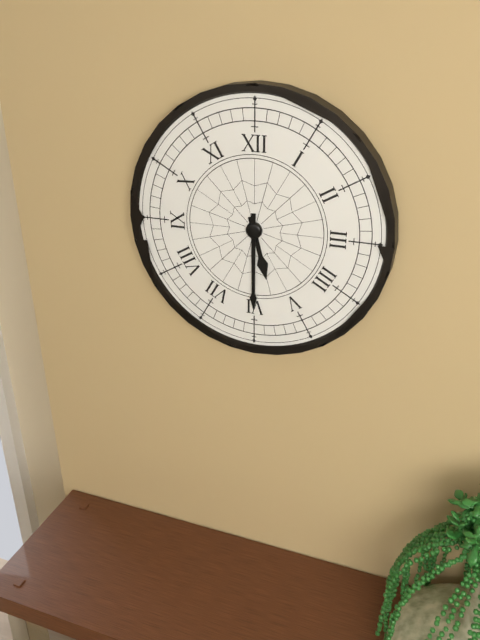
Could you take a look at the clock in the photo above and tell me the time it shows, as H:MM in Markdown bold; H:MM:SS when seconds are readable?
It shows **5:30**
